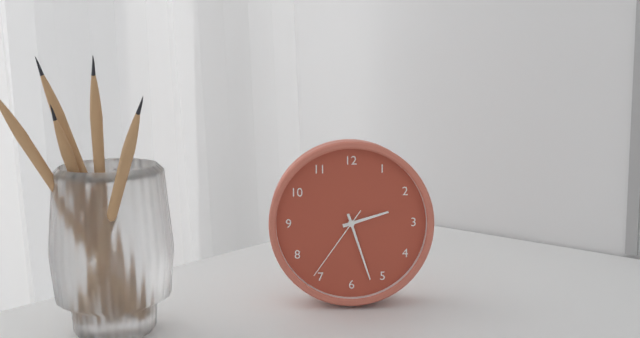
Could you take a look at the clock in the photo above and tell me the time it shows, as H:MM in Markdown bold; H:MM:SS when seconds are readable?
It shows **2:27:36**
